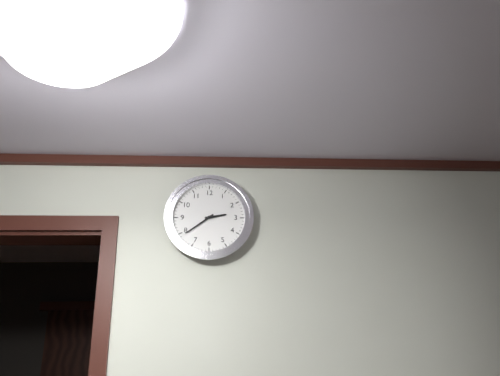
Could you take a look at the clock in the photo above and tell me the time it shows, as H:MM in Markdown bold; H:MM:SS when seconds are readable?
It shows **2:39**
